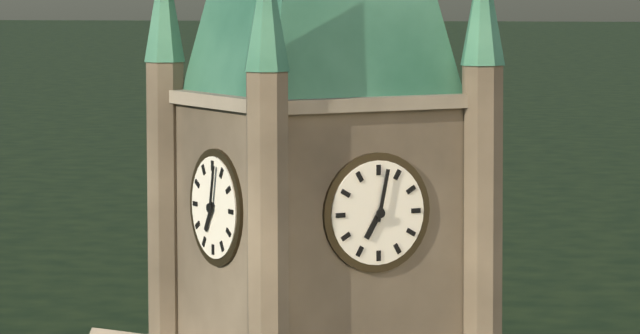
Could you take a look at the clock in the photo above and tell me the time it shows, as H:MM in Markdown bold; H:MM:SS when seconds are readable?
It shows **7:02**
